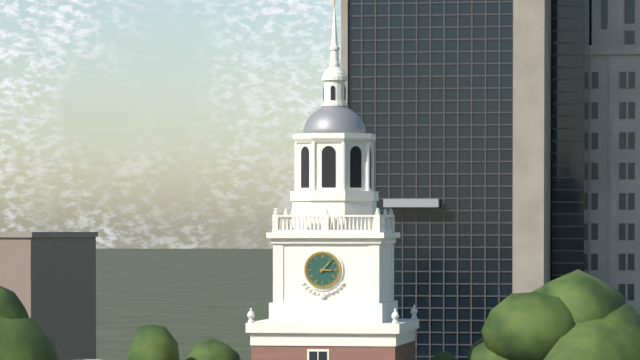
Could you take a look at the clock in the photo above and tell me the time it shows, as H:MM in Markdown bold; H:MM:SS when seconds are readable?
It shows **3:07**
